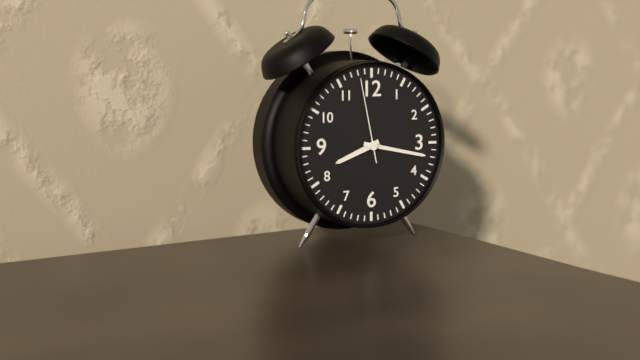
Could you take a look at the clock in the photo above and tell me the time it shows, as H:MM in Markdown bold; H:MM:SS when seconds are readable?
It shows **8:17:58**
